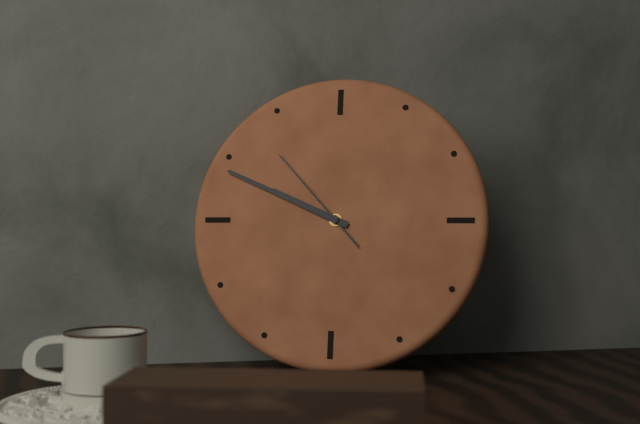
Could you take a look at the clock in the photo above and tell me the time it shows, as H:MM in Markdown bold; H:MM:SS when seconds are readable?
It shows **9:49:53**
